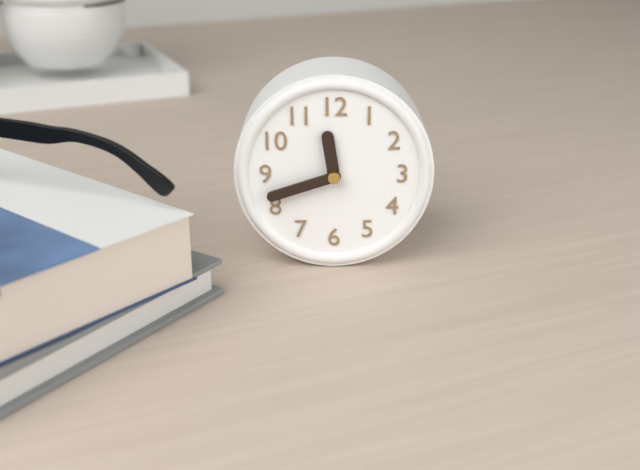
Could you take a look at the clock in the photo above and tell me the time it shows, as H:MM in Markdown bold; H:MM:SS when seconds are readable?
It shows **11:42**
